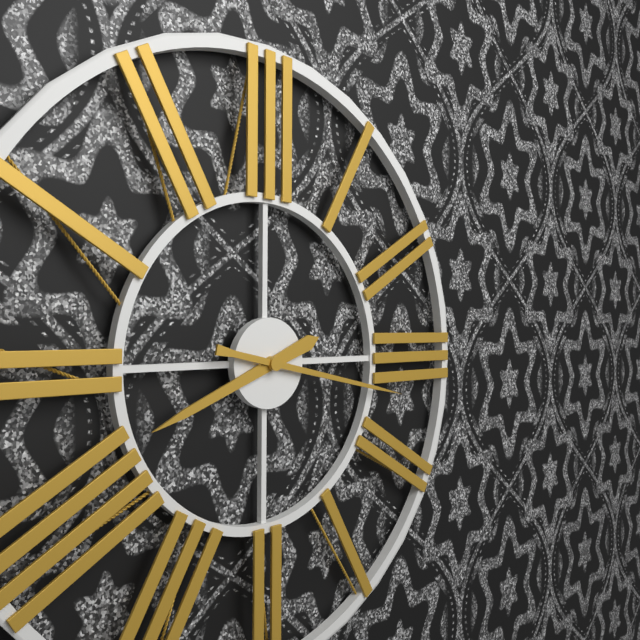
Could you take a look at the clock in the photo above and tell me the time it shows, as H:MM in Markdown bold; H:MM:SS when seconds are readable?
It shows **8:17**
